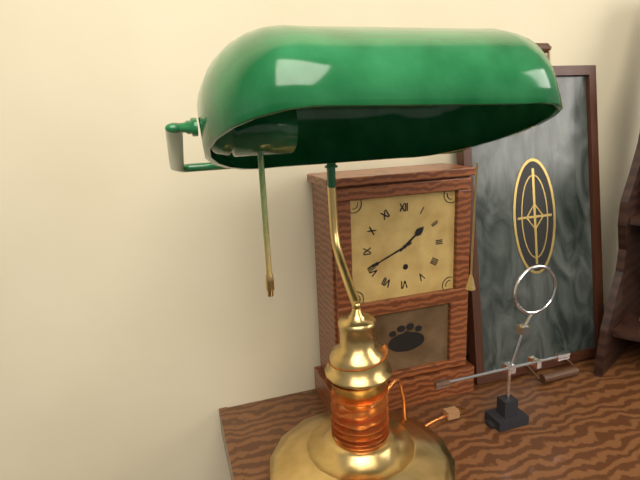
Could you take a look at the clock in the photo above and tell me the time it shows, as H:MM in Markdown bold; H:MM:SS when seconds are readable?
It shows **1:41**
